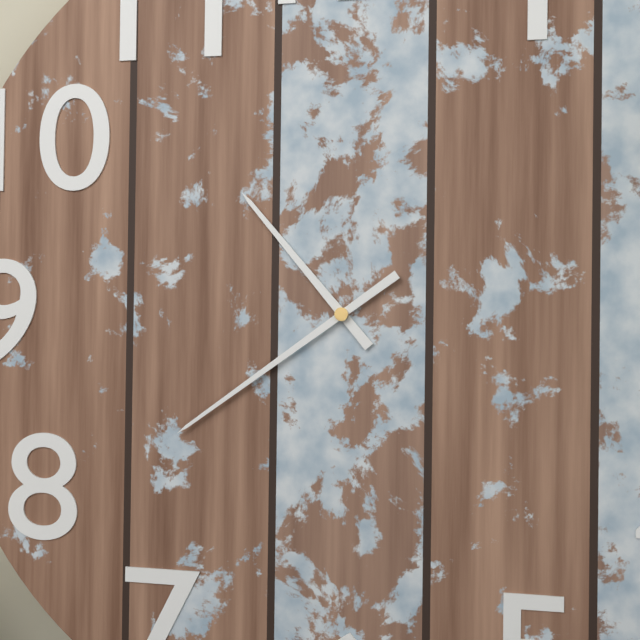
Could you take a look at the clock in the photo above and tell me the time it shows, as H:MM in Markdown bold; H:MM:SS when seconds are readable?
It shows **10:39**
